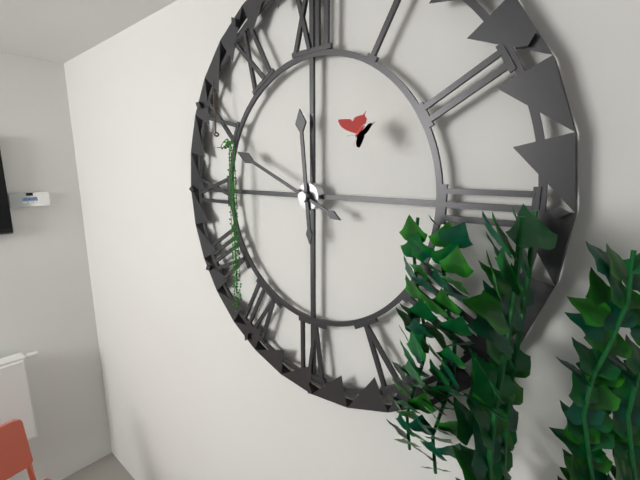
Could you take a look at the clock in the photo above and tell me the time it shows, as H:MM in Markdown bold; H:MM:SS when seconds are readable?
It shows **11:49**
